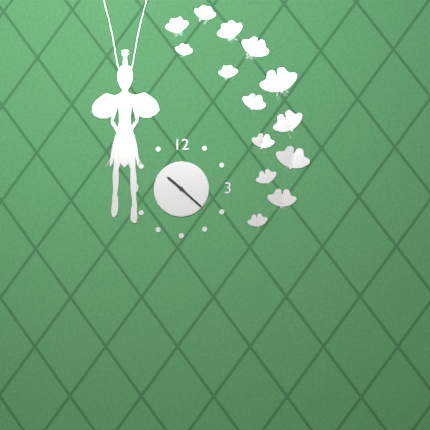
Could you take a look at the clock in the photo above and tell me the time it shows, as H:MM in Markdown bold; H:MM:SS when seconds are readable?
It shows **10:22**
